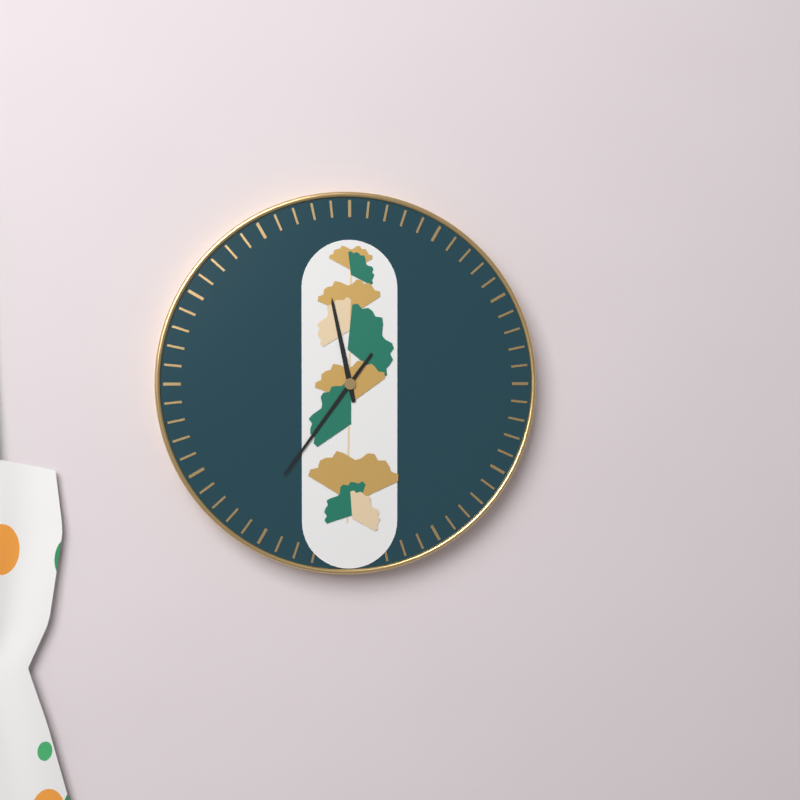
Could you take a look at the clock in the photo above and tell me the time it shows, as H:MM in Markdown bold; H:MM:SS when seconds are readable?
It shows **11:36**
